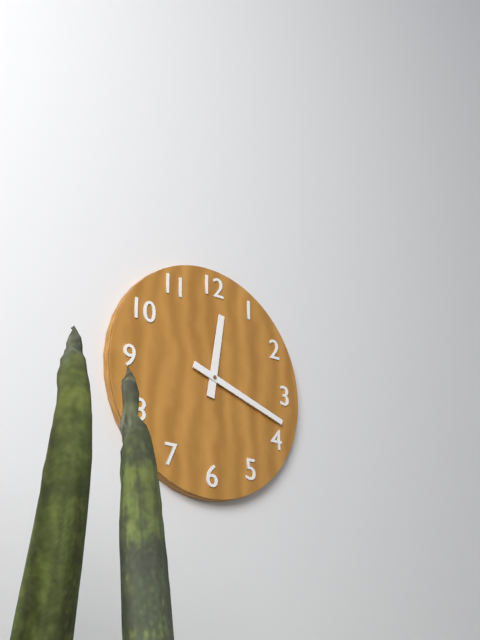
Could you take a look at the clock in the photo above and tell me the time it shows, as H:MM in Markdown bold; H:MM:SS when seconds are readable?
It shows **12:18**
